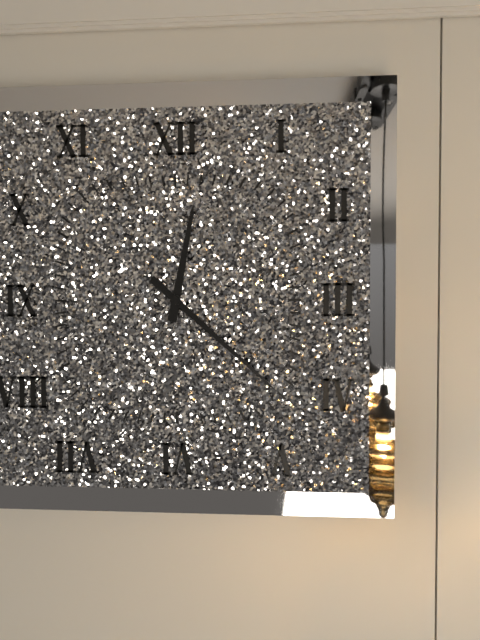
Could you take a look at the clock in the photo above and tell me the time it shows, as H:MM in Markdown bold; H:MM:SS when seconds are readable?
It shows **12:22**
